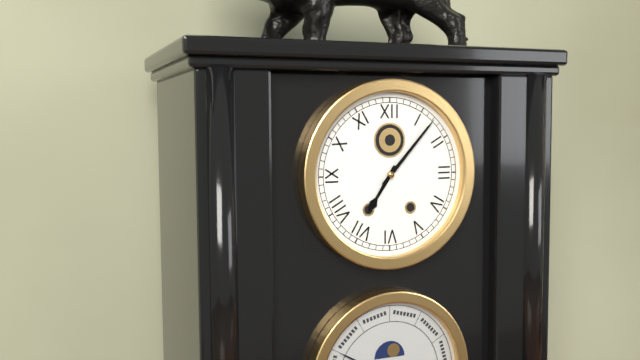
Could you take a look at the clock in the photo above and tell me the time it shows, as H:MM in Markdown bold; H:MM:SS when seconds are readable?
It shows **7:07**
